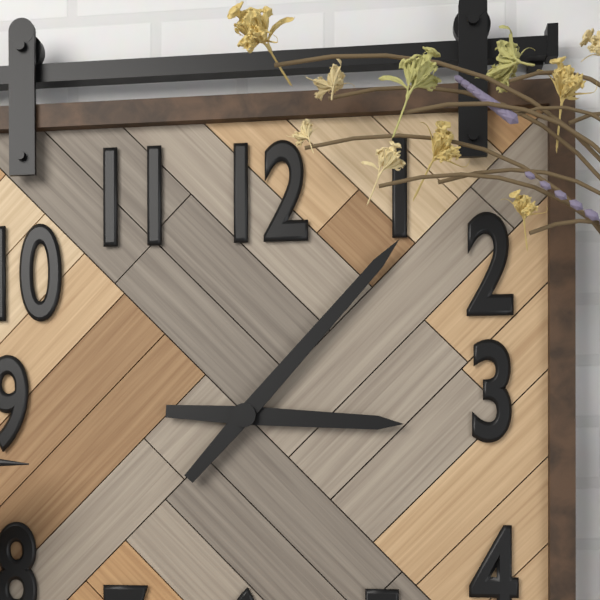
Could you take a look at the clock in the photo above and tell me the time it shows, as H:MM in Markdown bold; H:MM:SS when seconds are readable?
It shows **3:07**
